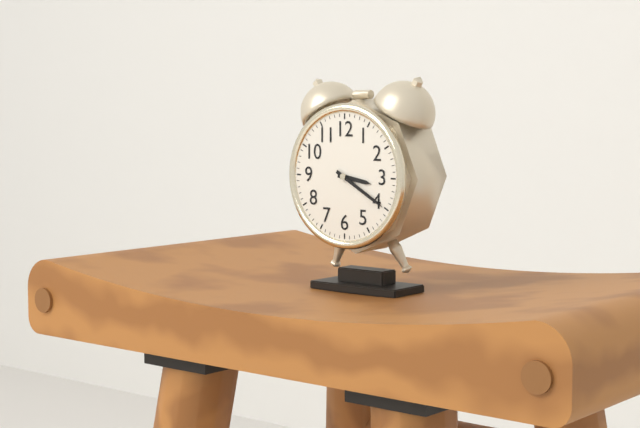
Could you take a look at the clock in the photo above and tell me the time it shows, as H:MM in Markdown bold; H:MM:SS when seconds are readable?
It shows **3:20**
